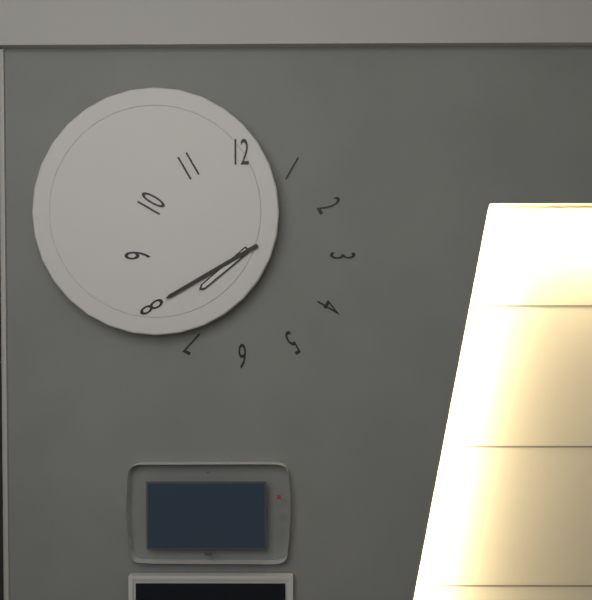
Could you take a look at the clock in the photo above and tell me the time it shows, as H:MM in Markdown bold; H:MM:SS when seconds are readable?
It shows **7:40**
